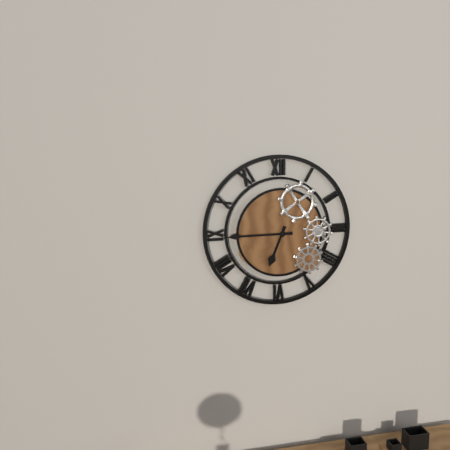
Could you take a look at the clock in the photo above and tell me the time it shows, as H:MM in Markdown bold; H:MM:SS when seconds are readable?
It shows **6:45**
